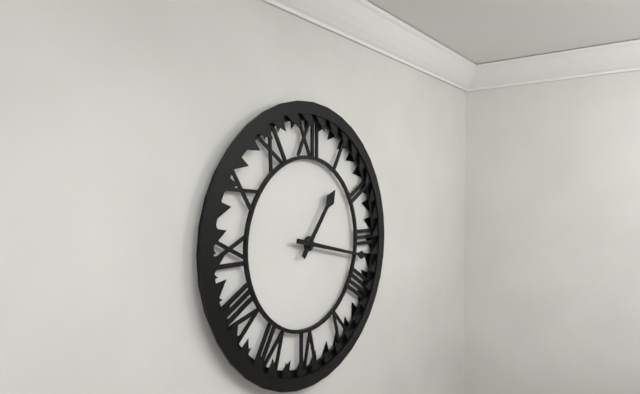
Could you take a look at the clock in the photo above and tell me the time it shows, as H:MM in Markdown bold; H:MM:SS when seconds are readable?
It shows **1:17**
